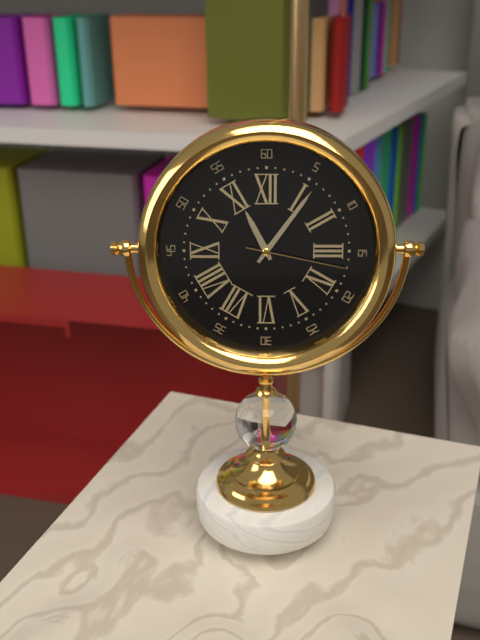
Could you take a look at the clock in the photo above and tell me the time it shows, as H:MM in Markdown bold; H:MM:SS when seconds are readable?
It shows **11:06:17**
